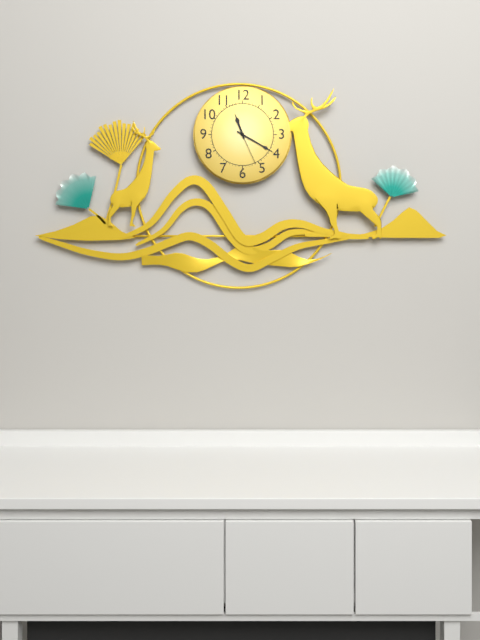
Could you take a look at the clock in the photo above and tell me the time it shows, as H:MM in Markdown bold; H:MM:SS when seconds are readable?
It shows **11:20**
